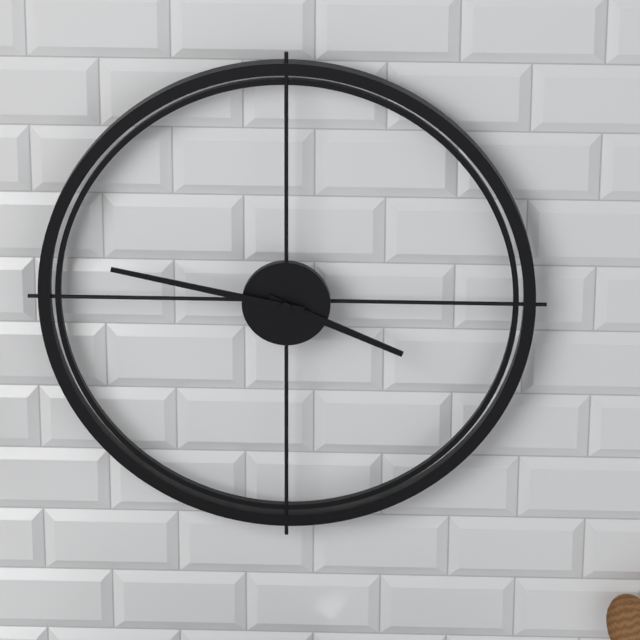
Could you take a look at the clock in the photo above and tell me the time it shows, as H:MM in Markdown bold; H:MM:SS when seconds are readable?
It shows **3:47**
